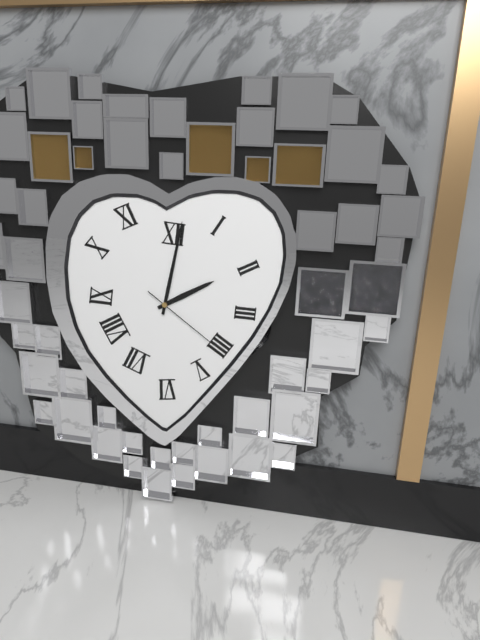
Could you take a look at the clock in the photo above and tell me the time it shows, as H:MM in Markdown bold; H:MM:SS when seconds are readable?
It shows **2:02:21**
